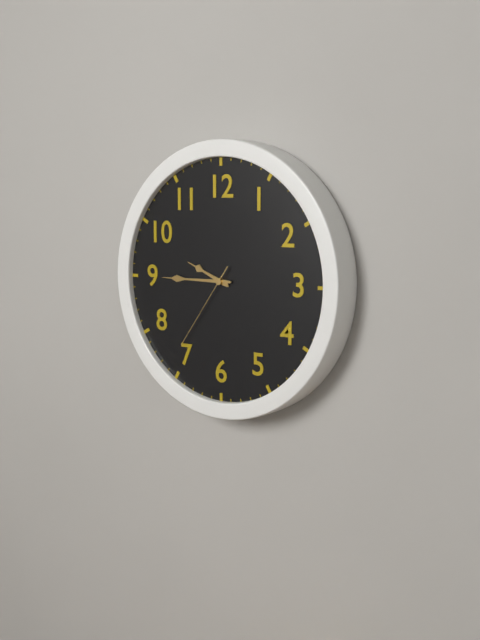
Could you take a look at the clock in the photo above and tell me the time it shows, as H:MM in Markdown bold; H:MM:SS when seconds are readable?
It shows **9:45:36**
